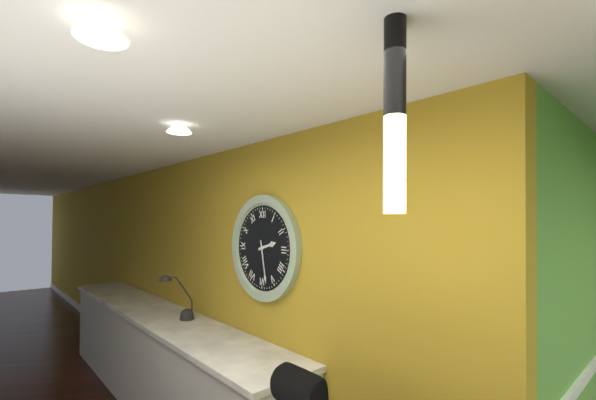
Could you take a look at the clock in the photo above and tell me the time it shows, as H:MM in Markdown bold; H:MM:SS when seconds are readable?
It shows **2:28**
